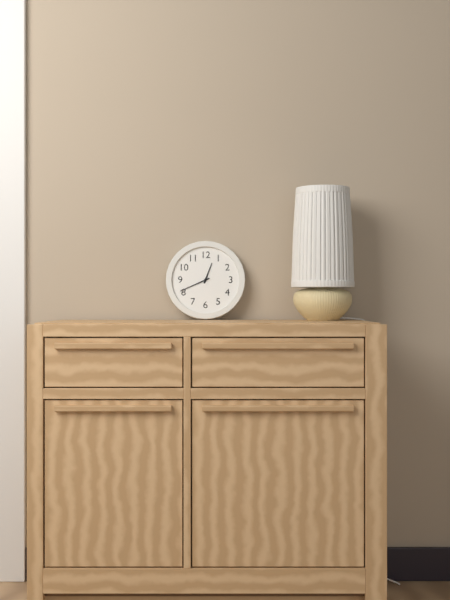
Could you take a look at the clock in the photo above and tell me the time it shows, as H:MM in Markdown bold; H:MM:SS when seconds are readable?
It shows **12:41**
